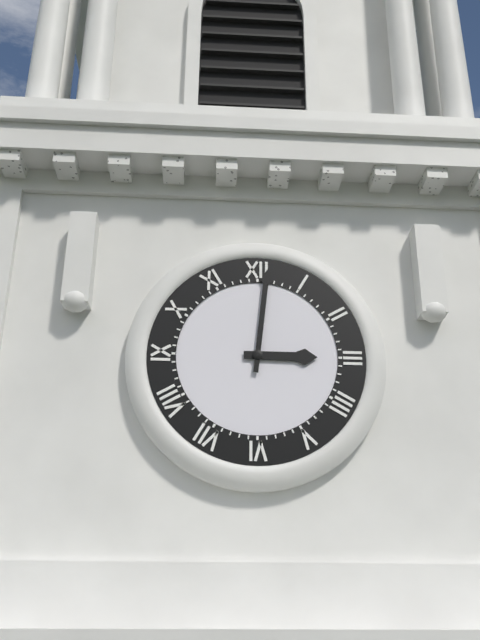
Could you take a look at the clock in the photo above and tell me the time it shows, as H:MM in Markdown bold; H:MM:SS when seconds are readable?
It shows **3:01**
